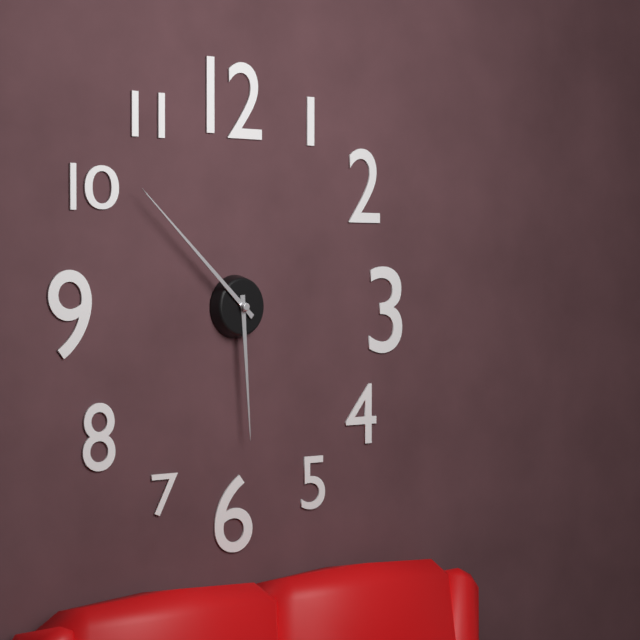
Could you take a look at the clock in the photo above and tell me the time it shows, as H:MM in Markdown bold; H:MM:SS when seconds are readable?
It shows **5:52**
